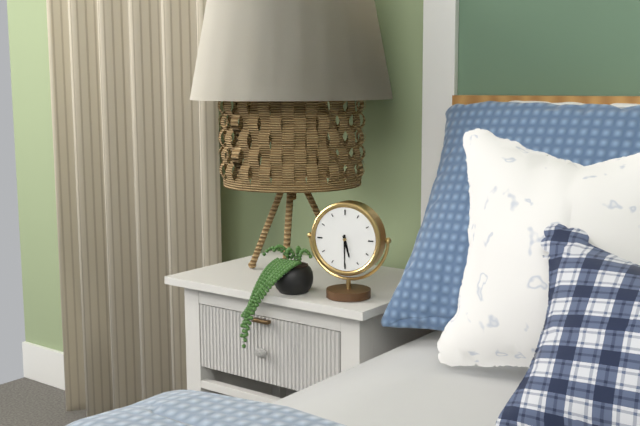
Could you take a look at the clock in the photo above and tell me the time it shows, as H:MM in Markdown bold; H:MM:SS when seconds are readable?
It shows **5:30**
